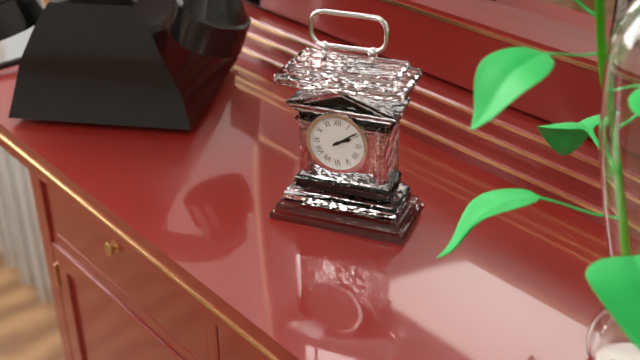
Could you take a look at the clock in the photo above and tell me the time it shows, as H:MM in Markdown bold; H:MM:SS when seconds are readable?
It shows **2:09**
